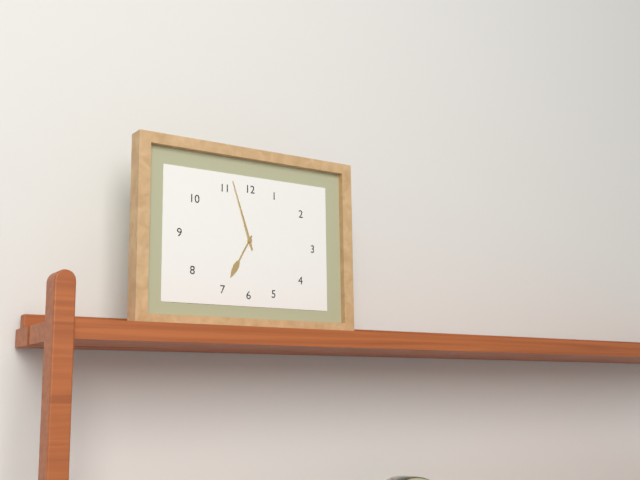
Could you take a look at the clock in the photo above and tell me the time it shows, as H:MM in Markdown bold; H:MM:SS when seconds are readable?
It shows **6:57**
